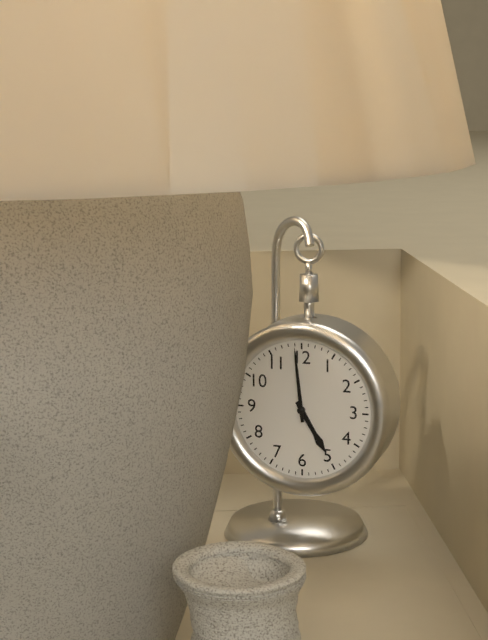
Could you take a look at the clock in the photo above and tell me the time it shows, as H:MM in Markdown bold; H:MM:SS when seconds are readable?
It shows **4:59**
